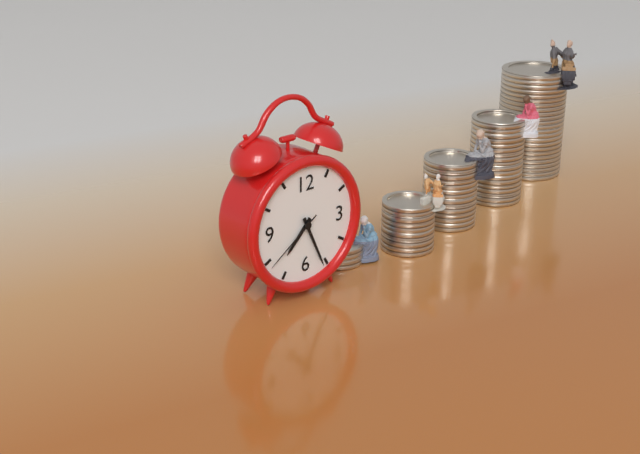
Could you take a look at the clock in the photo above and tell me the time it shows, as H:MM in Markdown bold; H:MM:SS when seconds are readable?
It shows **7:26:39**
